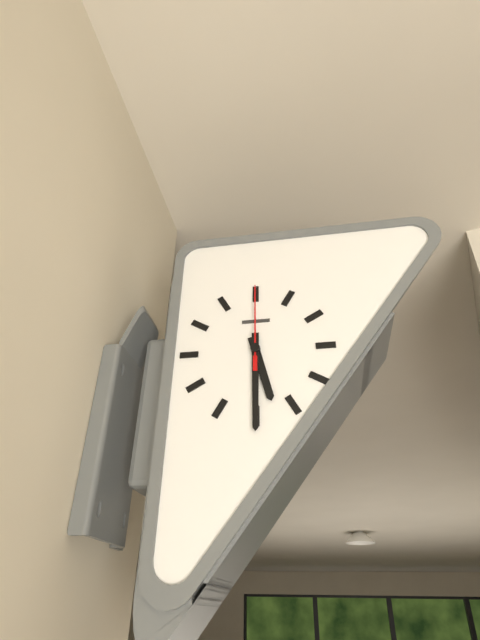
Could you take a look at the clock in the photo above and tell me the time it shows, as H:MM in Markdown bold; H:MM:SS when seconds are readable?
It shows **5:30:00**
